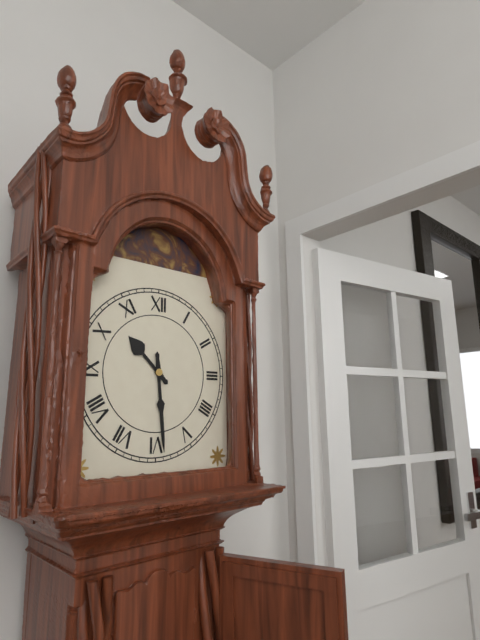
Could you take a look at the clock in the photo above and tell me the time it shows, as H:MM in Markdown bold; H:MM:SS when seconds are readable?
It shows **10:29**
